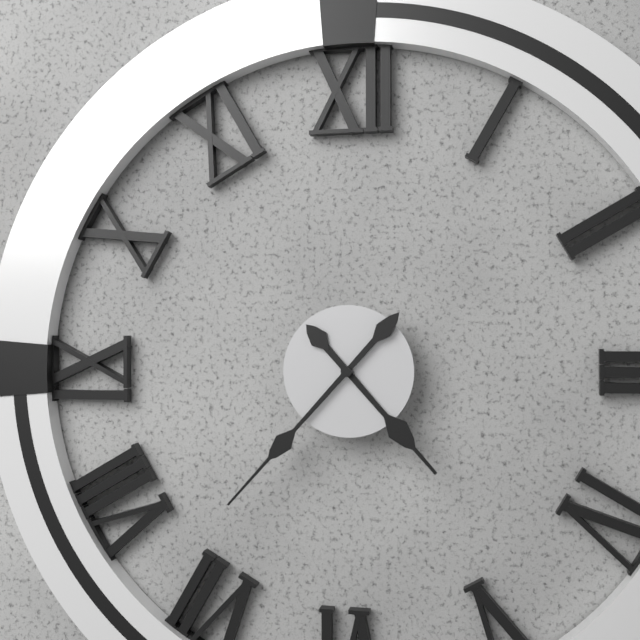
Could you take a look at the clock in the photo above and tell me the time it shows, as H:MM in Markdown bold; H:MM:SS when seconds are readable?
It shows **4:37**
